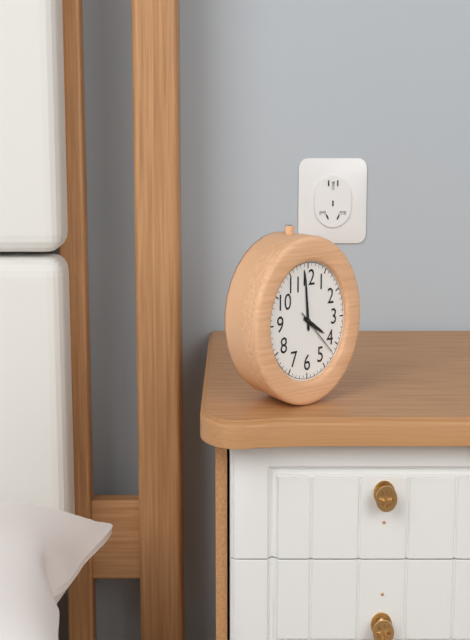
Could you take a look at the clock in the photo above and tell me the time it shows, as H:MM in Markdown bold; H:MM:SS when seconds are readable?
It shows **3:59**
